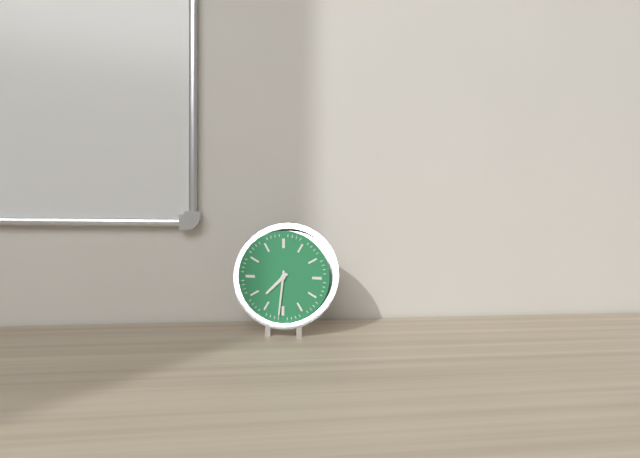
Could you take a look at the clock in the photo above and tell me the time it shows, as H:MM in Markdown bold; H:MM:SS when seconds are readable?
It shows **7:31**
